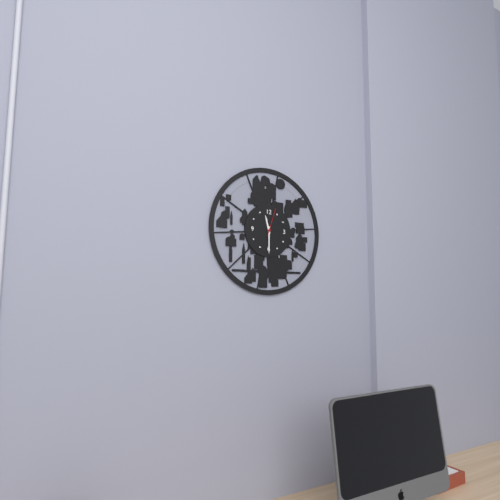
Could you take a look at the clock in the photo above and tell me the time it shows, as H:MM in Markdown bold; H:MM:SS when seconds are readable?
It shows **11:30**
